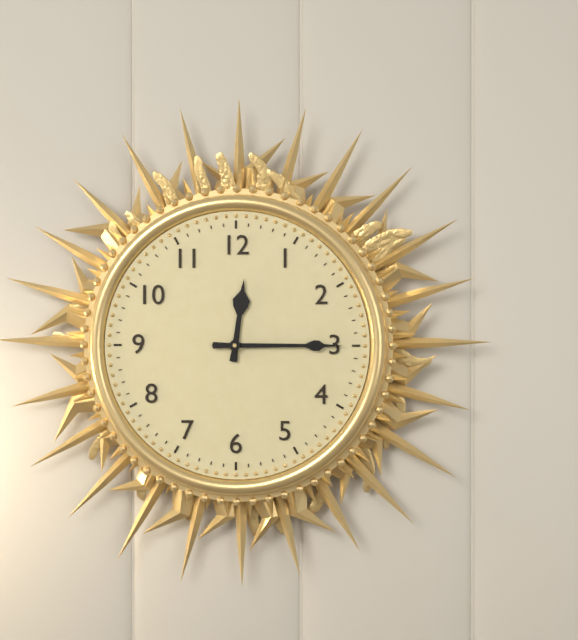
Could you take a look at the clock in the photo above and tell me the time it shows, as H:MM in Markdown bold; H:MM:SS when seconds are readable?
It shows **12:15**
